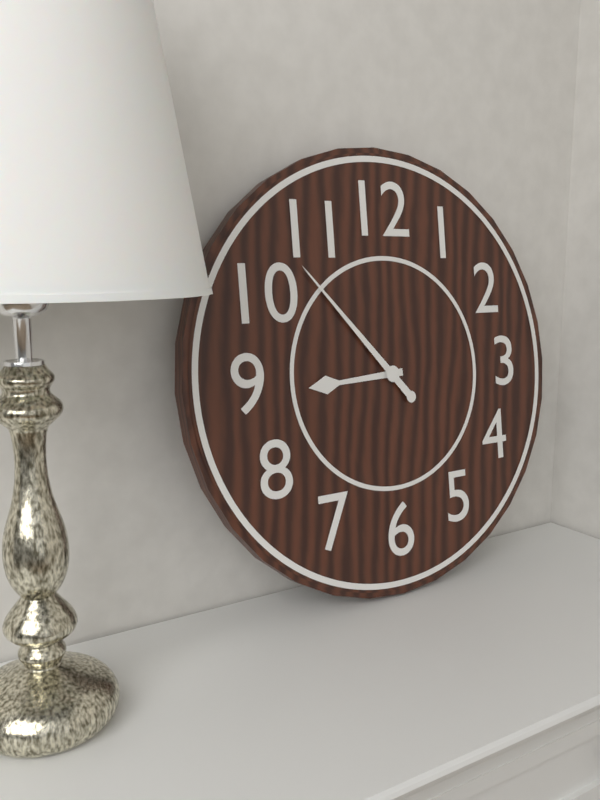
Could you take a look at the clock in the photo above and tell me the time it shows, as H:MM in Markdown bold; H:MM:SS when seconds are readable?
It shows **8:53**
